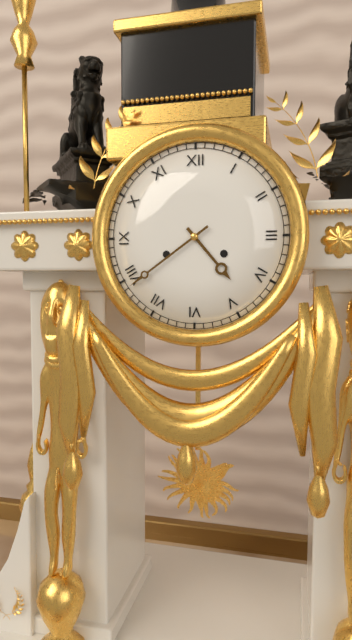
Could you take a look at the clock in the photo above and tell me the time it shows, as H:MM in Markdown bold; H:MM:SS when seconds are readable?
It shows **4:39**
